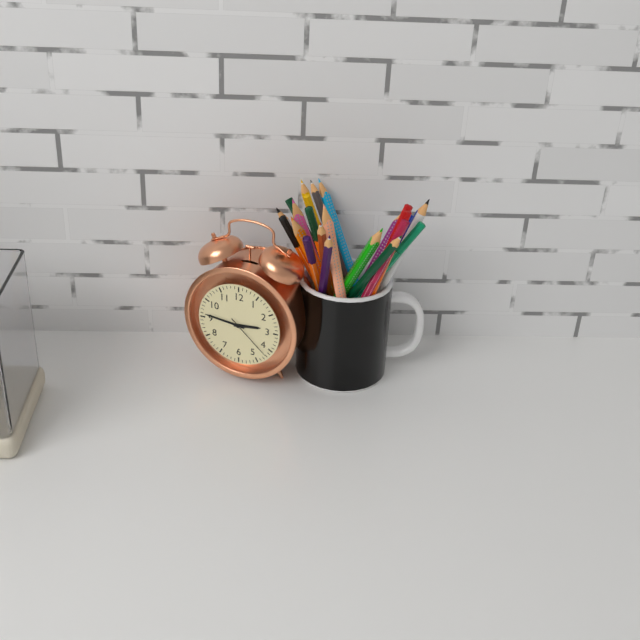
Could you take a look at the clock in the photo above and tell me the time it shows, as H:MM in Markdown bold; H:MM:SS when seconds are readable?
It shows **2:46:22**
